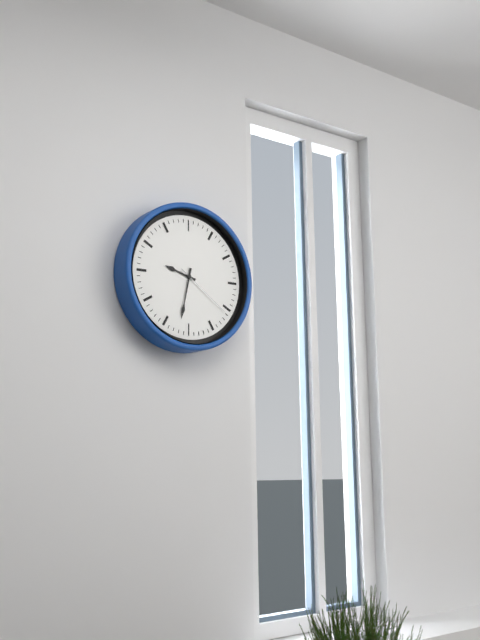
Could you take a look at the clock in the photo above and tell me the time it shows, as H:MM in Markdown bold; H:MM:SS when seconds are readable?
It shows **9:32:21**
